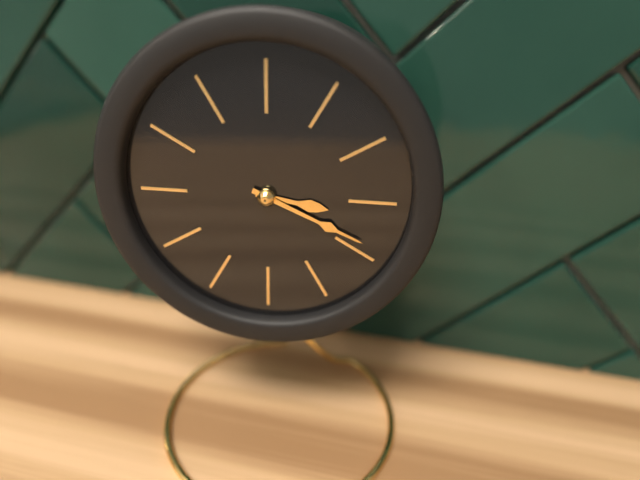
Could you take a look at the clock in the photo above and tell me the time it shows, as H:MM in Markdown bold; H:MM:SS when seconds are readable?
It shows **3:19**
